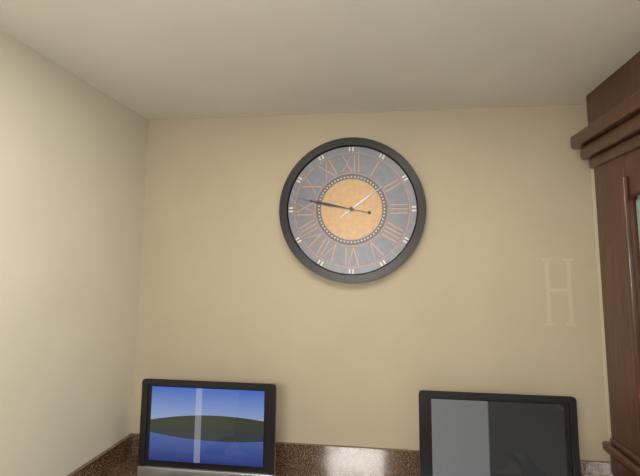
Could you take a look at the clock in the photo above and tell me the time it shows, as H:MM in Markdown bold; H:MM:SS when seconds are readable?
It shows **1:47**
